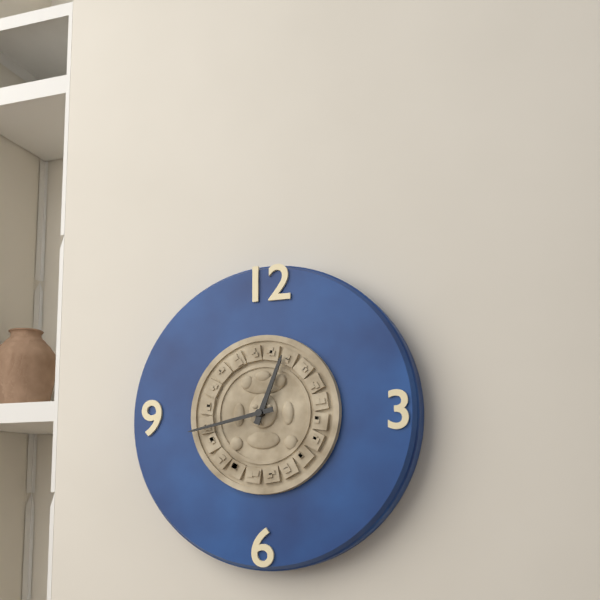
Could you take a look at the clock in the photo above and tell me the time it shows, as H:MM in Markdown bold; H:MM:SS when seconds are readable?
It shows **12:43**
